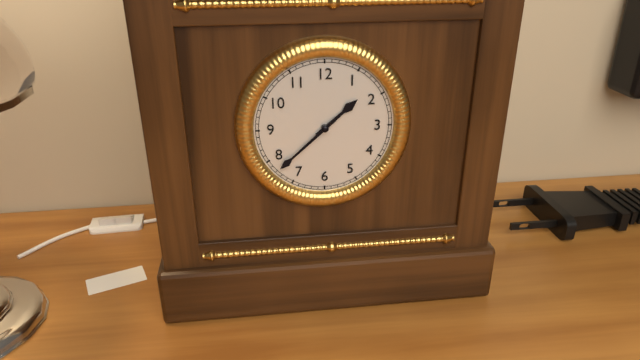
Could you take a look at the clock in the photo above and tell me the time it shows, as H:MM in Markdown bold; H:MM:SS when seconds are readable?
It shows **1:38**
